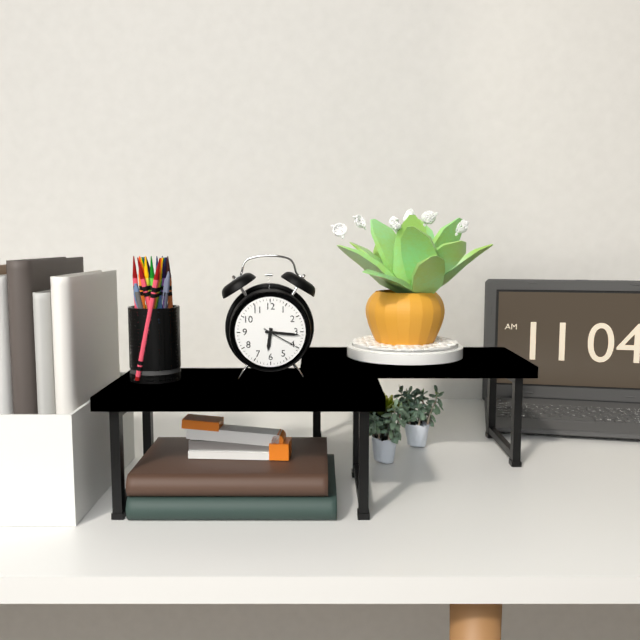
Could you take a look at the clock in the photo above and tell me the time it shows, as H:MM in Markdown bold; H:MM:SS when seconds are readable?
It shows **6:16**
